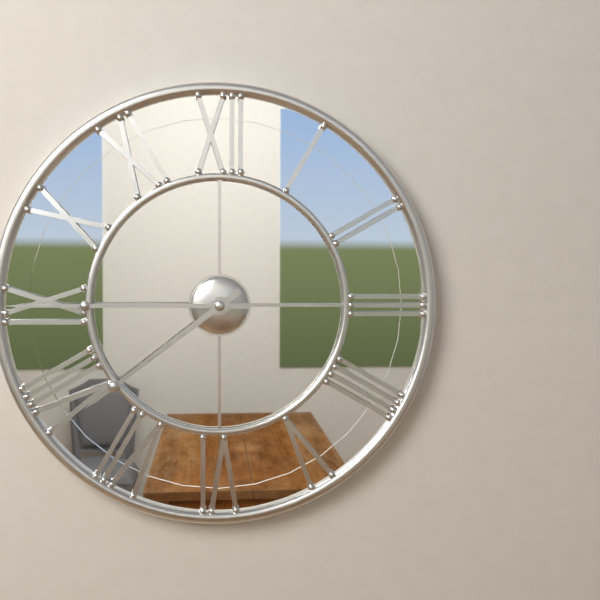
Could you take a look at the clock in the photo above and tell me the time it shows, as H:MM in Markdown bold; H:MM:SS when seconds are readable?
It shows **7:45**
